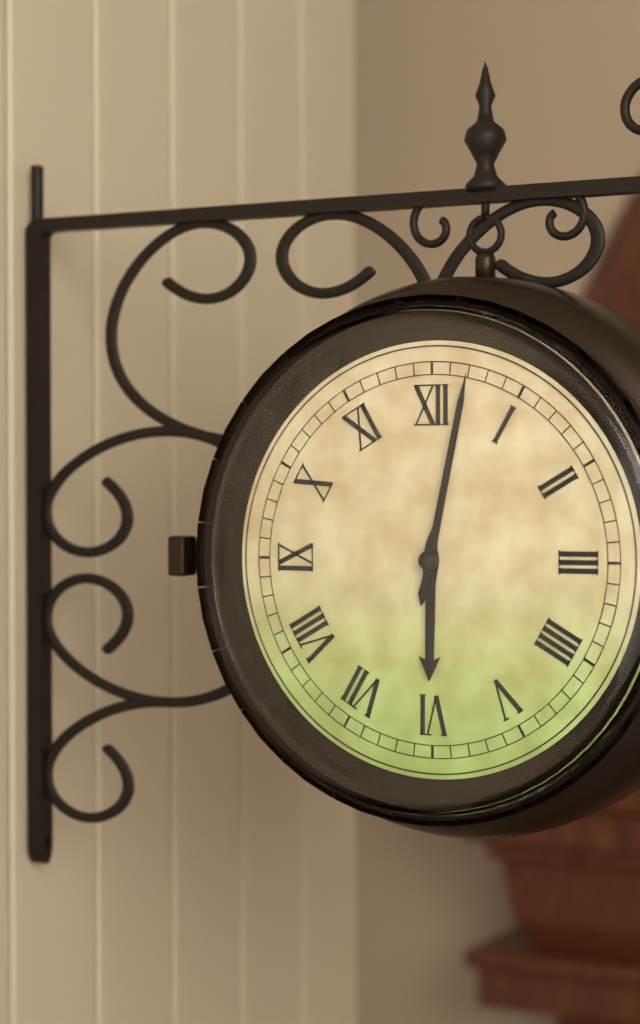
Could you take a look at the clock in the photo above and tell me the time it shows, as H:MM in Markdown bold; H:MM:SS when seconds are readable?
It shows **6:02**
